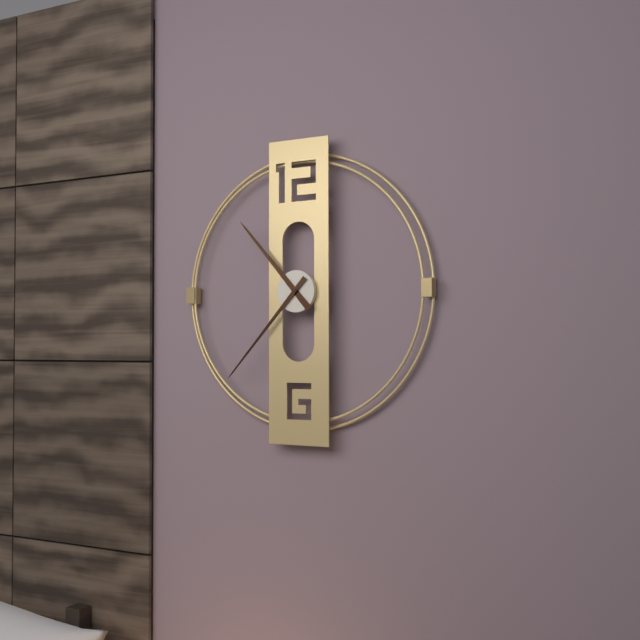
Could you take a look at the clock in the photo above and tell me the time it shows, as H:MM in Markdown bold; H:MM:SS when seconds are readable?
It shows **10:37**
